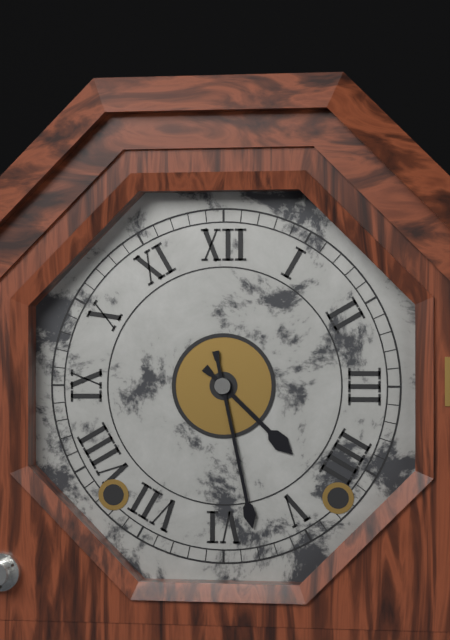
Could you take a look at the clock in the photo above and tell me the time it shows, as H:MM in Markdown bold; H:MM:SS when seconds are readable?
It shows **4:28**
